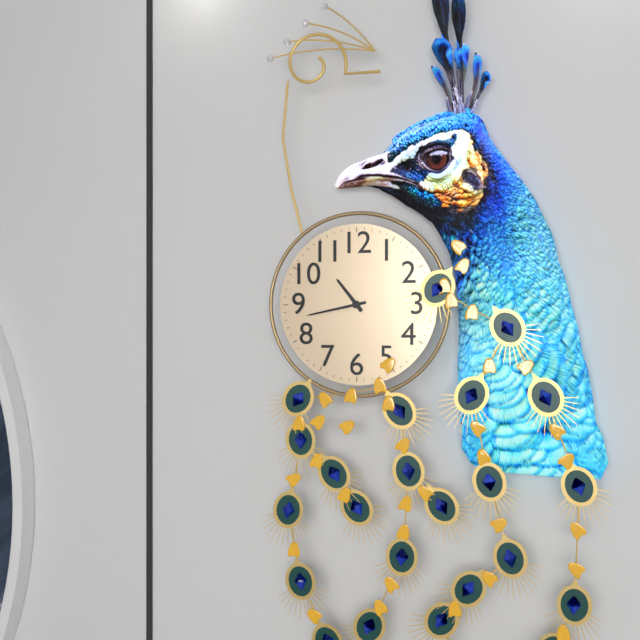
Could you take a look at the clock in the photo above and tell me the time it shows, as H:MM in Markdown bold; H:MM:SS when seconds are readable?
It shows **10:43**
